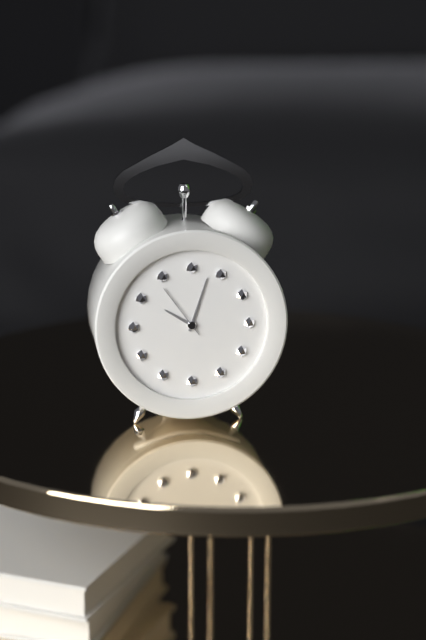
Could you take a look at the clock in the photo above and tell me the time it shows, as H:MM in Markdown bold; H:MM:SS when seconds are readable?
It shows **10:03:54**
